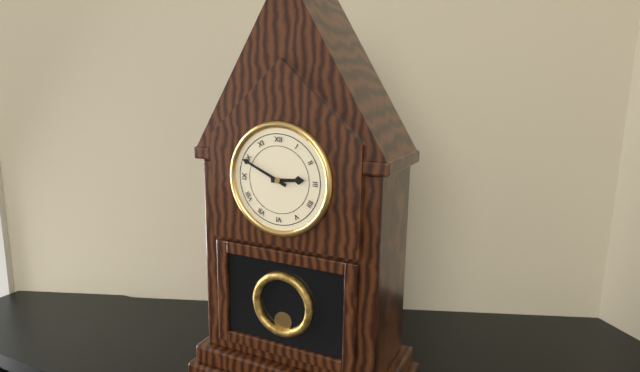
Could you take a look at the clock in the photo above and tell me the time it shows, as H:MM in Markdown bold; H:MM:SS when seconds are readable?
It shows **2:49**
